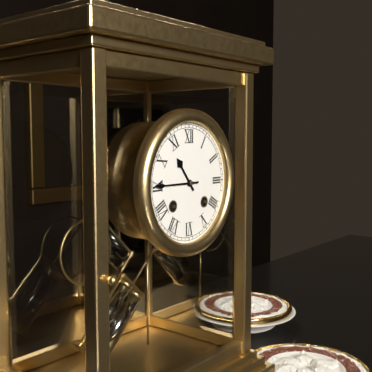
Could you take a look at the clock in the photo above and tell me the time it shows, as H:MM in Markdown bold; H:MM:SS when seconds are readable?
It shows **10:45**
